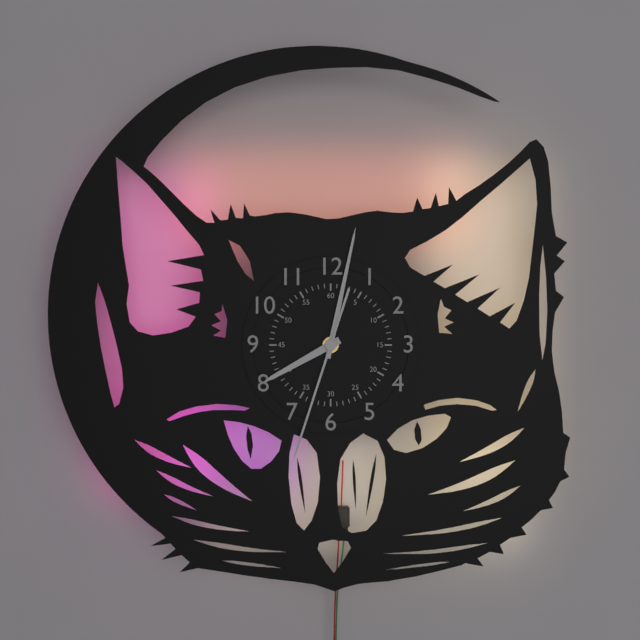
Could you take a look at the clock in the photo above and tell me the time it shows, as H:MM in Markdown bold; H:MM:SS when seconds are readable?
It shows **8:02:33**
